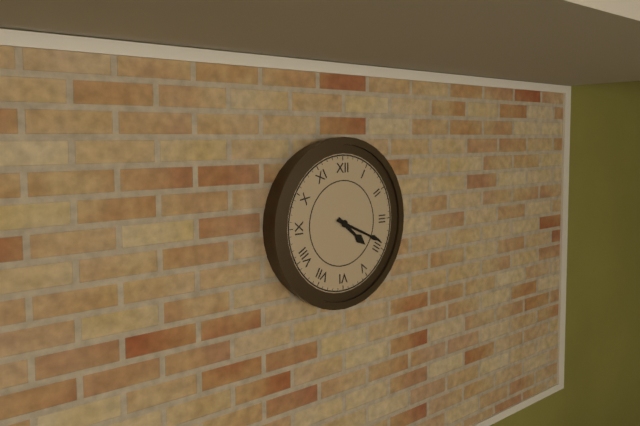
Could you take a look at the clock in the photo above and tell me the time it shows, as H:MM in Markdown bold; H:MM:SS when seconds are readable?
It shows **4:19**
